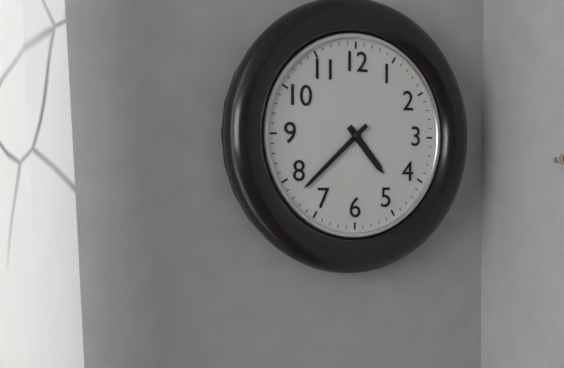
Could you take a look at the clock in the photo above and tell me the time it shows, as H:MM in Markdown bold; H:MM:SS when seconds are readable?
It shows **4:38**
